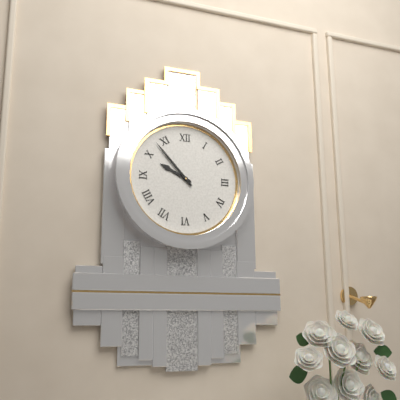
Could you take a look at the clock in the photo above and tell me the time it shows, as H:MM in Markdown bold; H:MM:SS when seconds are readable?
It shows **9:53**
